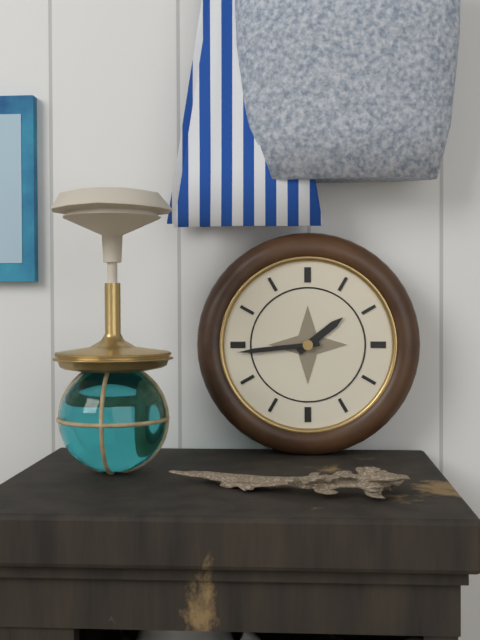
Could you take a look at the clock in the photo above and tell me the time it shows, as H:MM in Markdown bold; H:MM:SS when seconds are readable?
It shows **1:44**
